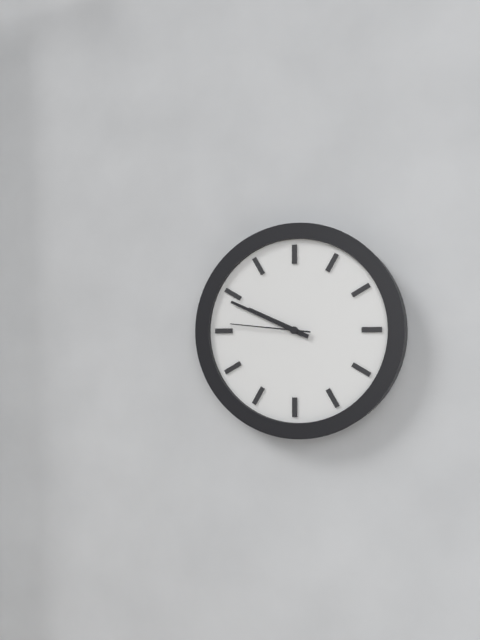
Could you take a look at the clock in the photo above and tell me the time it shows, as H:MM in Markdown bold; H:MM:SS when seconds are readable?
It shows **9:49:46**
